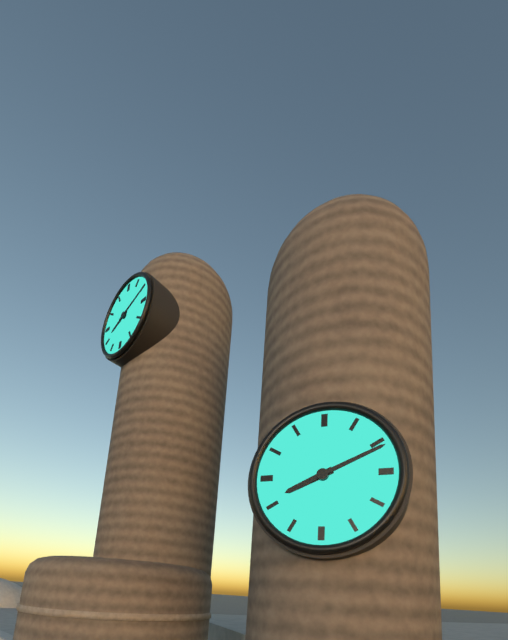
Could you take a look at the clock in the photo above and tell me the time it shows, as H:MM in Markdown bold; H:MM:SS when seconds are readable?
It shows **8:11**
